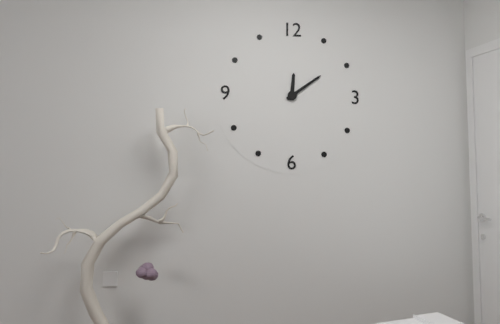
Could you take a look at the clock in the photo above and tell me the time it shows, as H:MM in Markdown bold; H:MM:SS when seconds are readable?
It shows **12:09**
